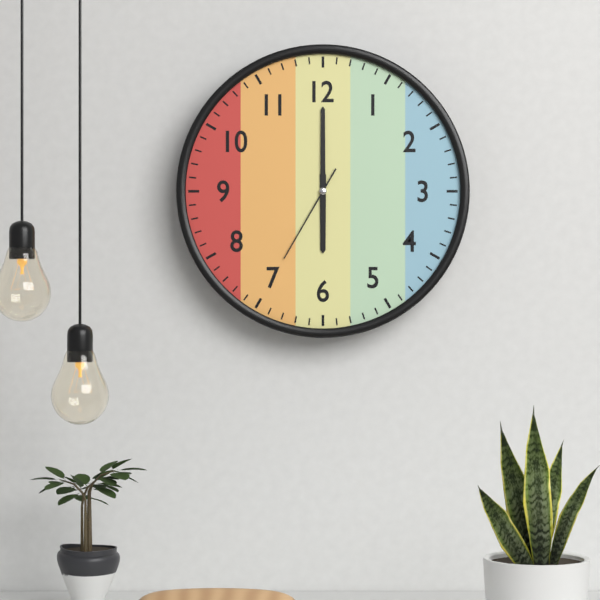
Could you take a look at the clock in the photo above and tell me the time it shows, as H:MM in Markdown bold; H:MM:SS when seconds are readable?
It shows **6:00:35**
